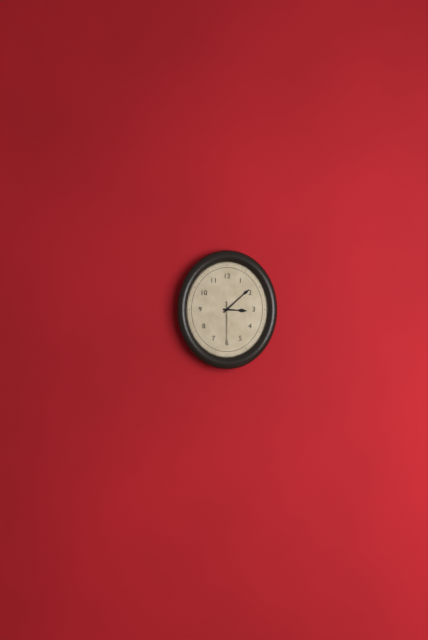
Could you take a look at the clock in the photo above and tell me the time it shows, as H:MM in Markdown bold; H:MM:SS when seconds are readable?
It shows **3:08**
